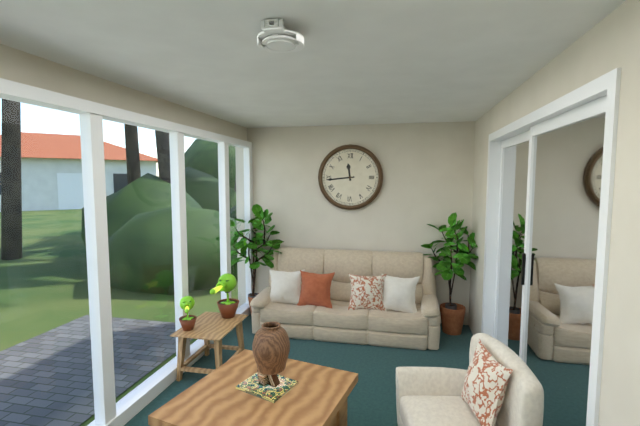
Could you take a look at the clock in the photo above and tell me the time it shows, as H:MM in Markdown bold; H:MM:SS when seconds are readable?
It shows **11:44**
